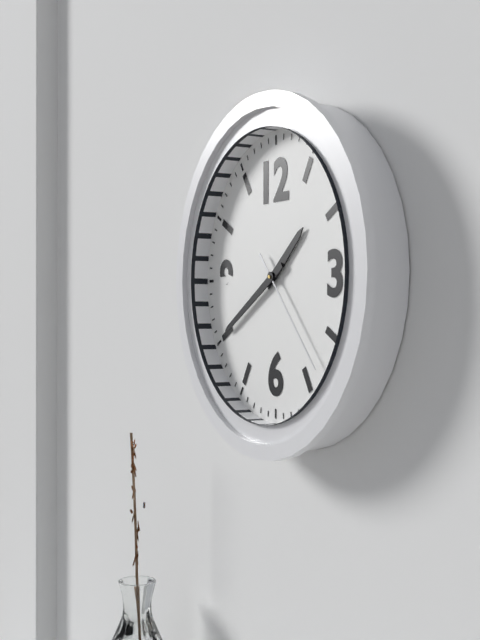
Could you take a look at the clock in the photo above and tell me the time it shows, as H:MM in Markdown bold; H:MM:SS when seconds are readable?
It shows **1:40:23**
